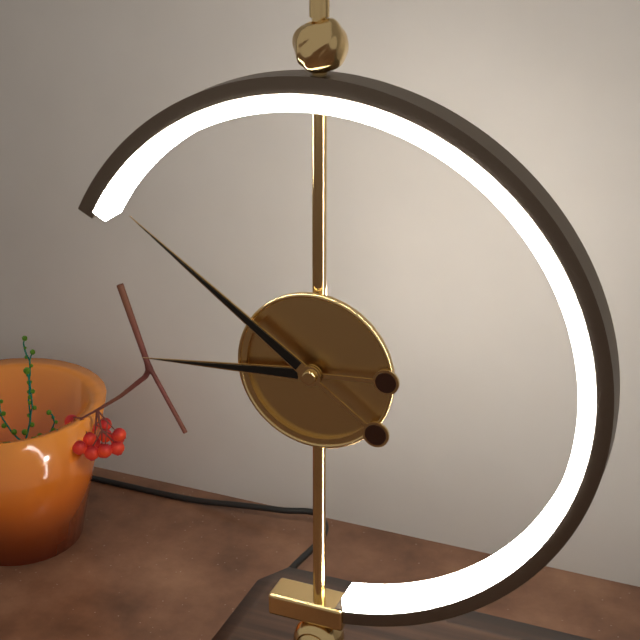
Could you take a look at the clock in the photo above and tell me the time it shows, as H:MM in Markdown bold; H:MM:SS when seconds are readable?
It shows **8:51**
